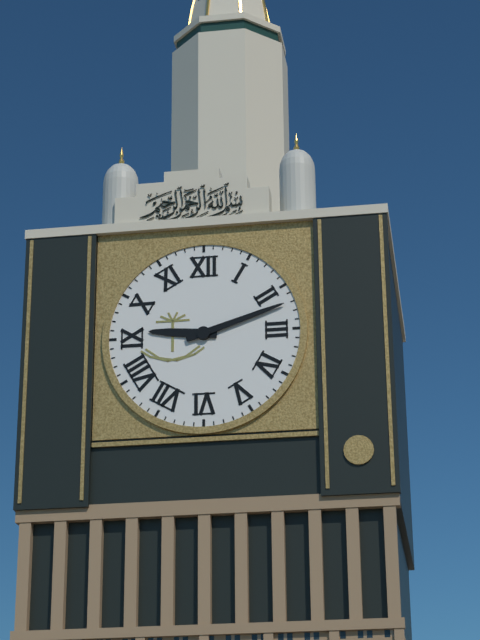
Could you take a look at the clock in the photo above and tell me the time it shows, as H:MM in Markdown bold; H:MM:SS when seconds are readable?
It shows **9:12**
